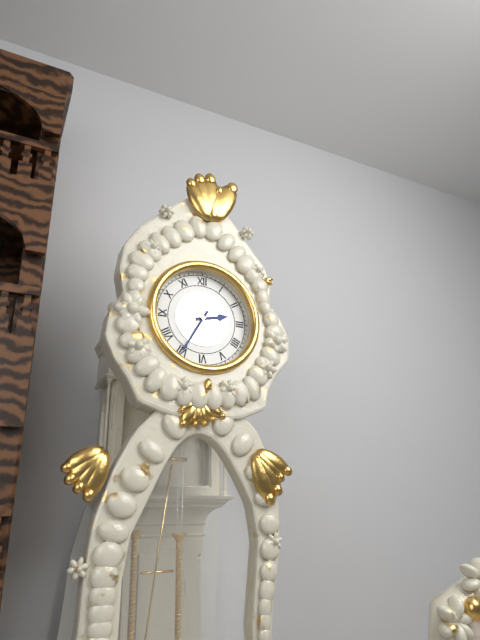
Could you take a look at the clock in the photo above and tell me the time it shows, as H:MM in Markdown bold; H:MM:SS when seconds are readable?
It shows **2:35**
